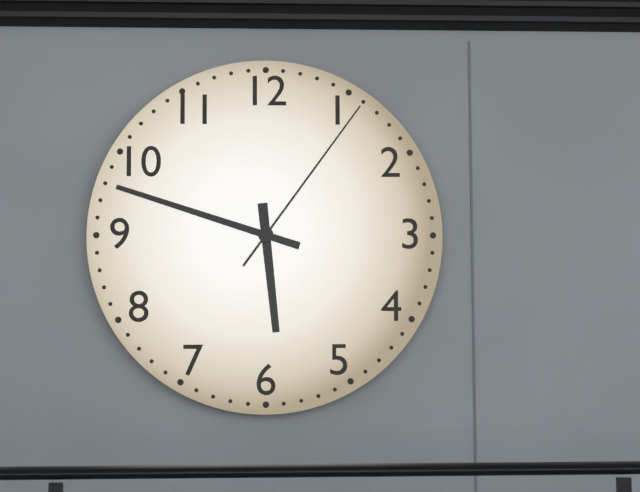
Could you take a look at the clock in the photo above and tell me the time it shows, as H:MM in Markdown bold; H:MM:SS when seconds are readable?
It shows **5:48:06**
